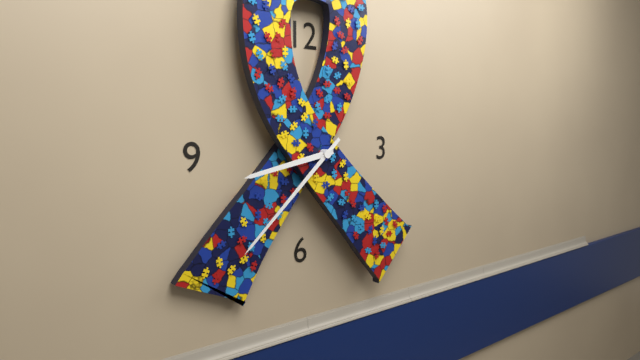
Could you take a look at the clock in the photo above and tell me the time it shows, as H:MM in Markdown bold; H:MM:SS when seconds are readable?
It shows **8:38**
